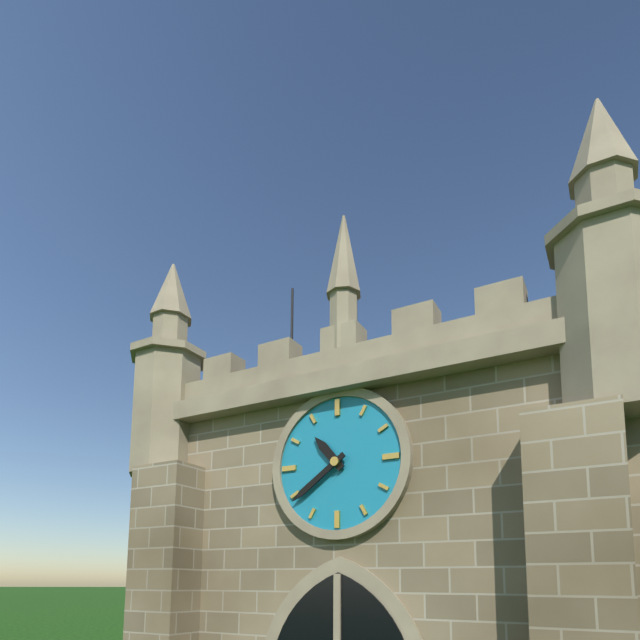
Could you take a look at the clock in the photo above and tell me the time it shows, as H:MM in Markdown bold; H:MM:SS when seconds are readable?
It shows **10:39**
